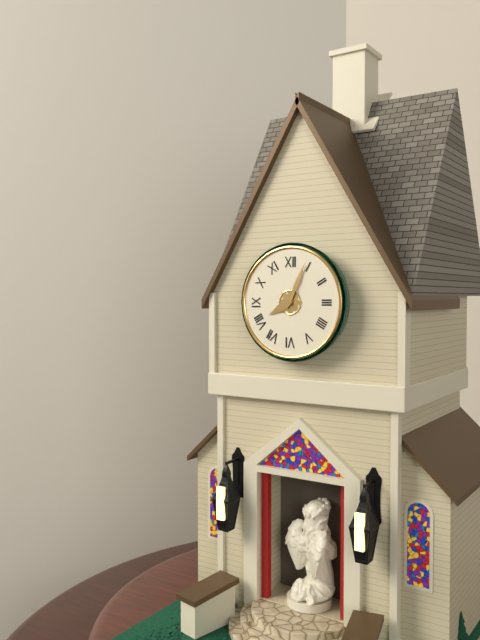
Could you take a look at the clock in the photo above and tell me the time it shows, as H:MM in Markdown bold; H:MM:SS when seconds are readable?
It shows **8:04**
